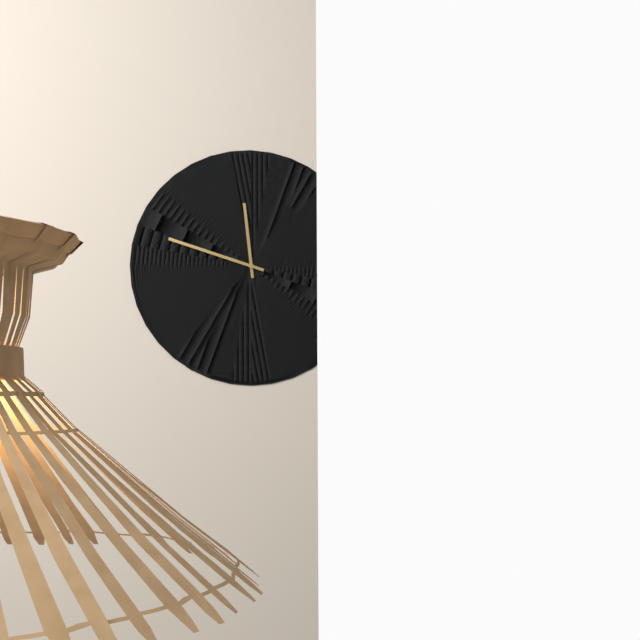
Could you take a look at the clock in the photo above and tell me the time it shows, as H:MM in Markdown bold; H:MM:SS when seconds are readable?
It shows **11:48**
